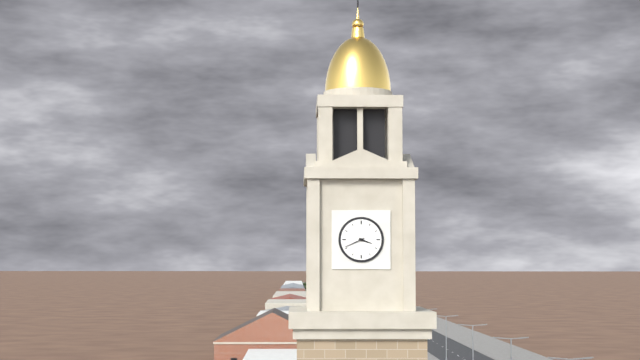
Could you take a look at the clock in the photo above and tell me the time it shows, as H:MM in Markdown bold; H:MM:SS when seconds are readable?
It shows **3:41**
